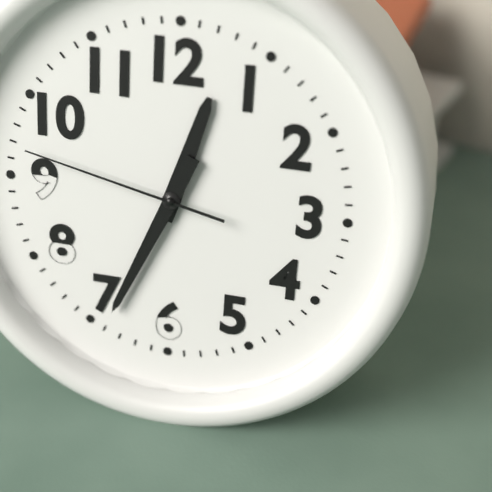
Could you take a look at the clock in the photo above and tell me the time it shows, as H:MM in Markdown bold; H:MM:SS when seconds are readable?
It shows **12:34:47**
